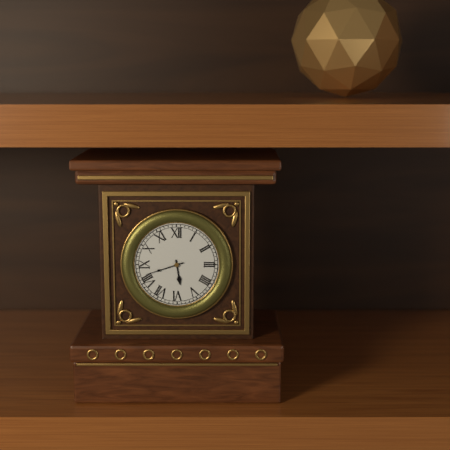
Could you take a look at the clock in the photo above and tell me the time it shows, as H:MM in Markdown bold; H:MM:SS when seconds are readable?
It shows **5:42**
